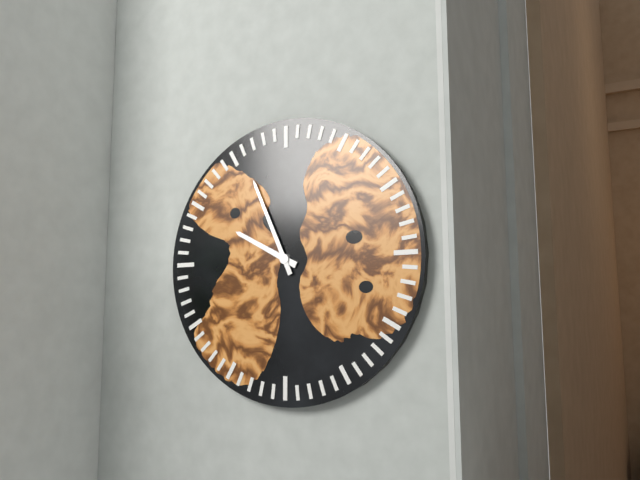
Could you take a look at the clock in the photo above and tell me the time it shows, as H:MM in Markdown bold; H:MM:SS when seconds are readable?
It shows **9:56**
